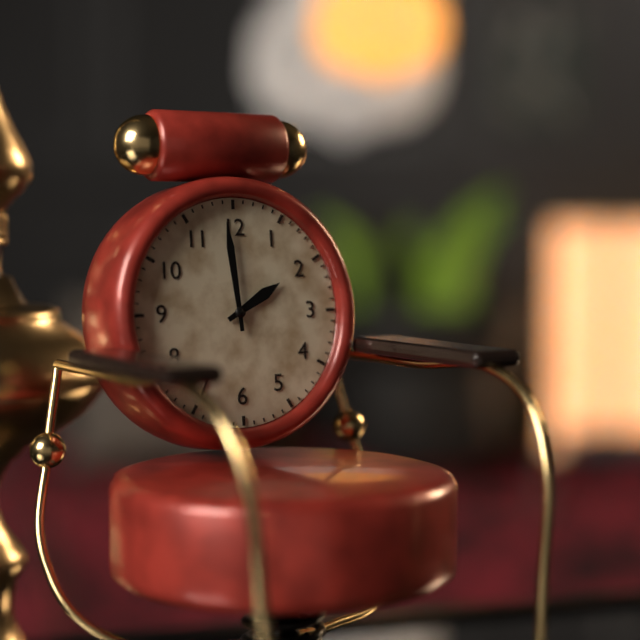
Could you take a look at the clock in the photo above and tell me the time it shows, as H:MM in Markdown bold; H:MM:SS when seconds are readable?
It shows **1:59**
